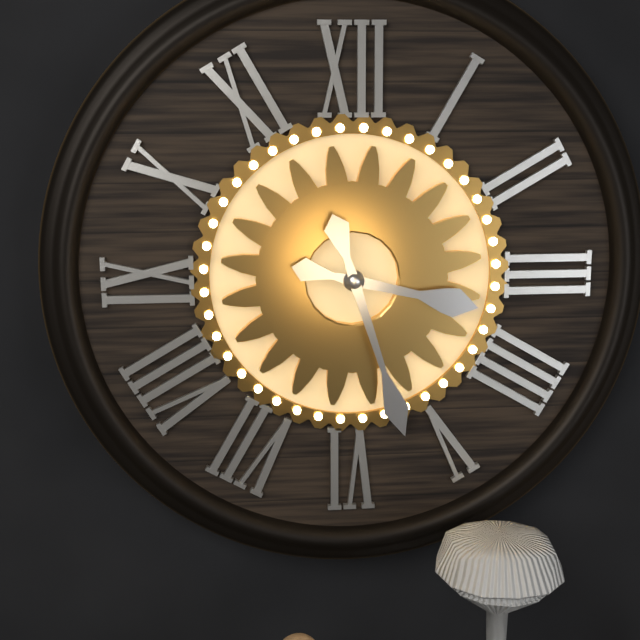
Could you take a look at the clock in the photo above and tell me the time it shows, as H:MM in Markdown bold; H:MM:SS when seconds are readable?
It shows **3:27**
